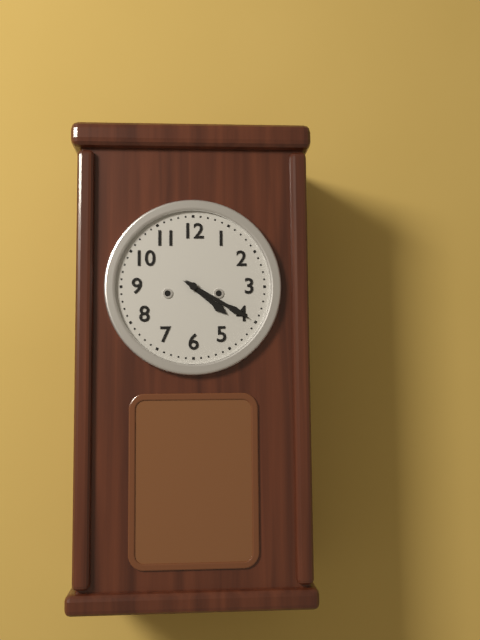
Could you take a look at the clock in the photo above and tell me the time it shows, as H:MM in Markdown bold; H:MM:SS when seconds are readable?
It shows **4:20**
